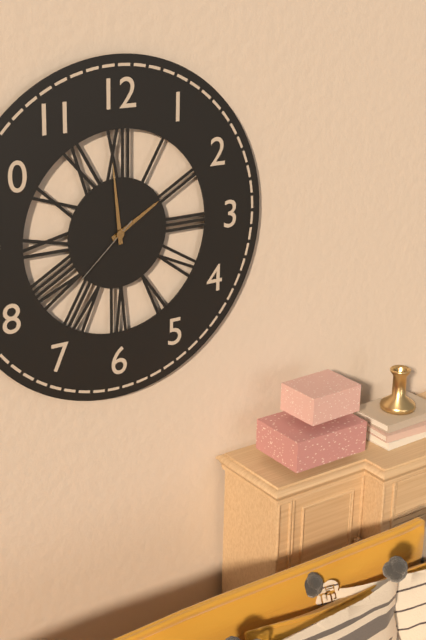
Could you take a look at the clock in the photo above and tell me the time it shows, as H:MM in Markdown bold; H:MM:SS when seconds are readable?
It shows **1:59:38**
